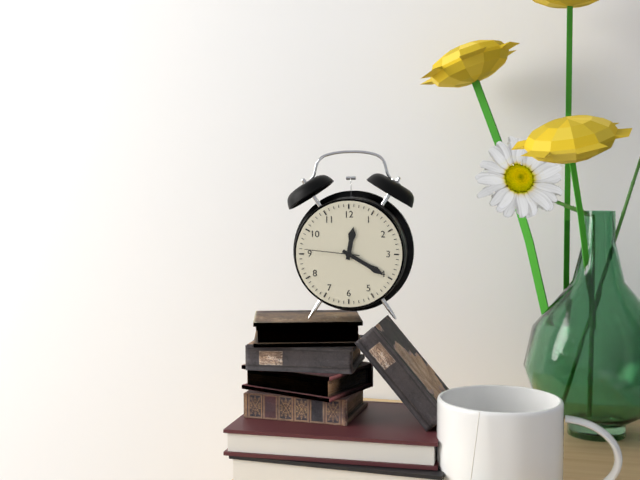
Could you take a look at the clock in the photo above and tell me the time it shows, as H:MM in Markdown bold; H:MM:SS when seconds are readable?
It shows **12:20:46**
